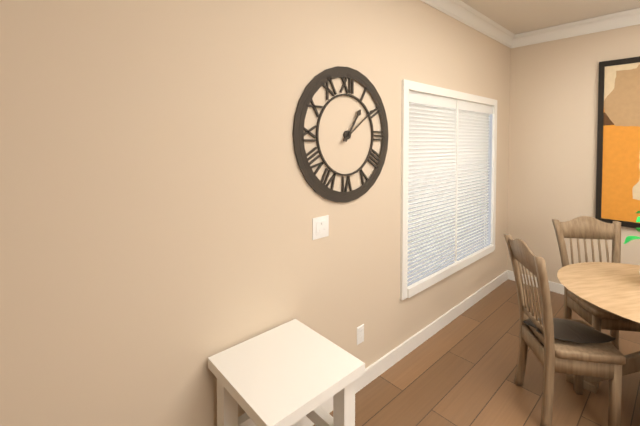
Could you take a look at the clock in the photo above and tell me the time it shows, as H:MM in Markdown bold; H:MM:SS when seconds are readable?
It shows **1:09**
